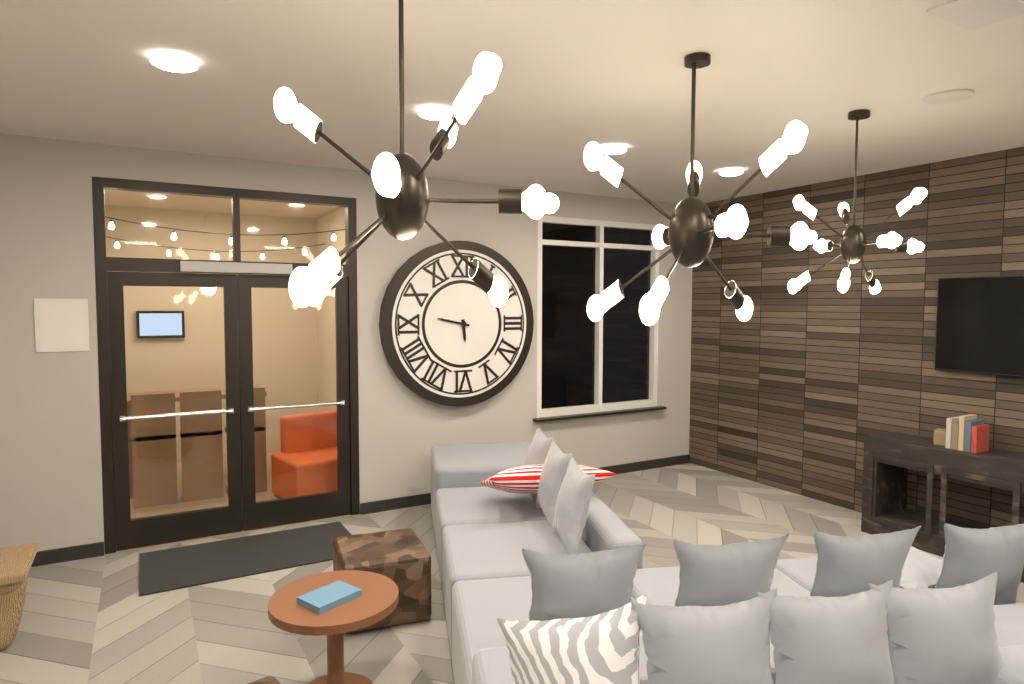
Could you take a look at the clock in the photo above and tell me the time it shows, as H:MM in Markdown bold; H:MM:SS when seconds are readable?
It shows **5:47**
